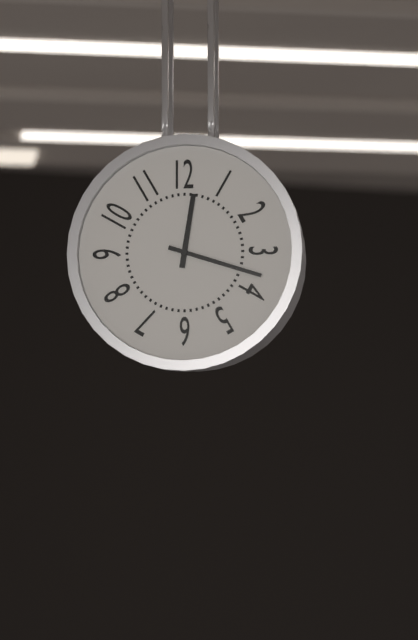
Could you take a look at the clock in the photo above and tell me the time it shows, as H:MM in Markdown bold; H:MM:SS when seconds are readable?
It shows **12:18**
